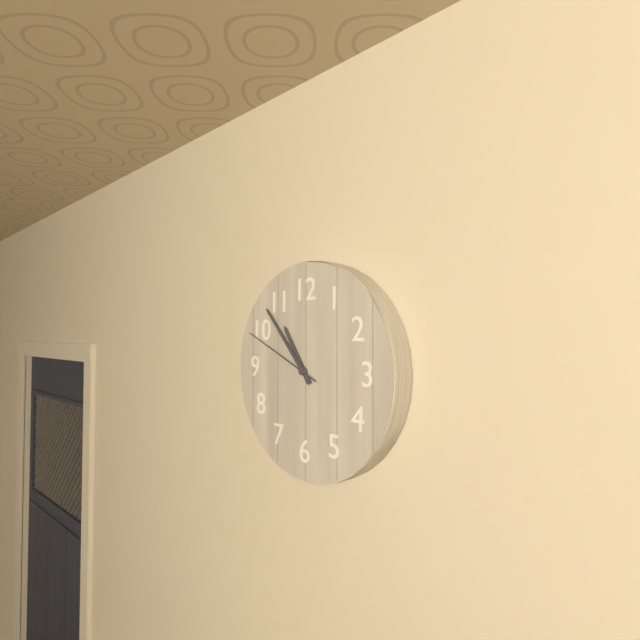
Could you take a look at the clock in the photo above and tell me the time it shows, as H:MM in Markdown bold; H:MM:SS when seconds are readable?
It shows **10:53:49**
